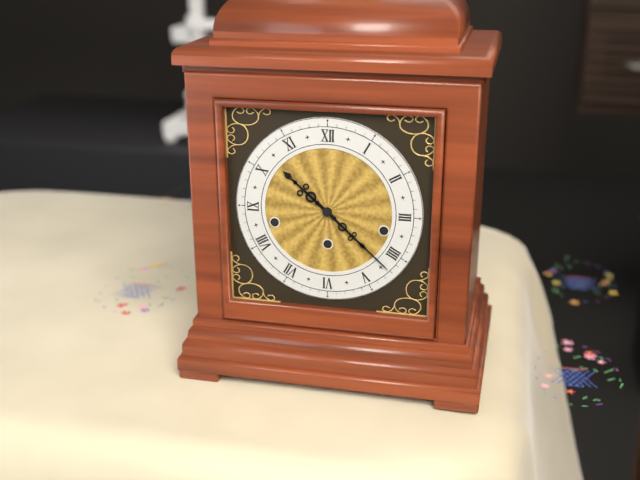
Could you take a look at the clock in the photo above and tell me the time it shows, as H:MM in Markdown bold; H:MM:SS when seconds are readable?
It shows **10:22**
